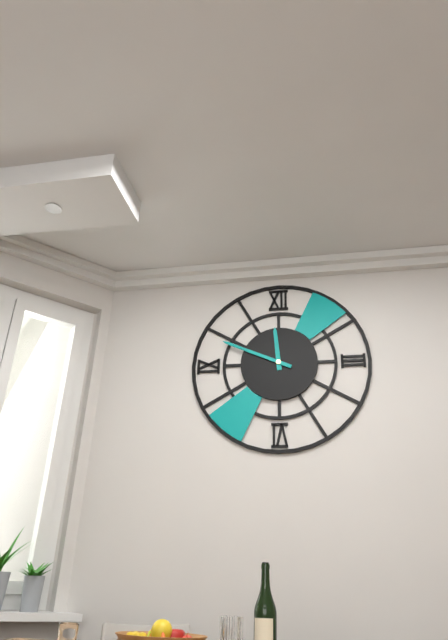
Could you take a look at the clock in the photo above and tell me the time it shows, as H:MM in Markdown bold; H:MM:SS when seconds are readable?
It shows **11:49**
